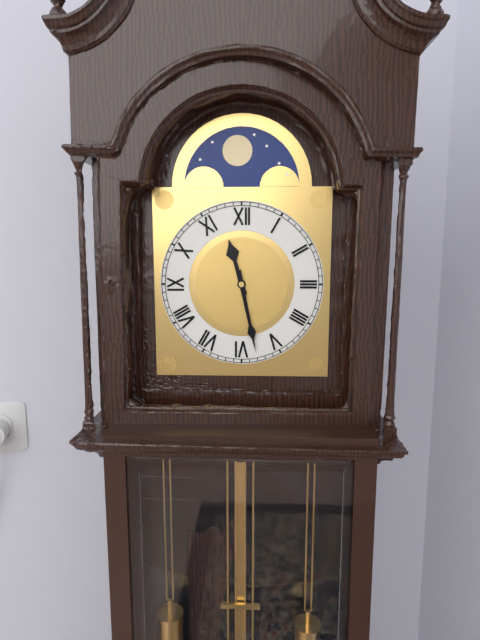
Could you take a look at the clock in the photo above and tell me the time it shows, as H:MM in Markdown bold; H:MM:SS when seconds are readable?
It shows **11:28**
